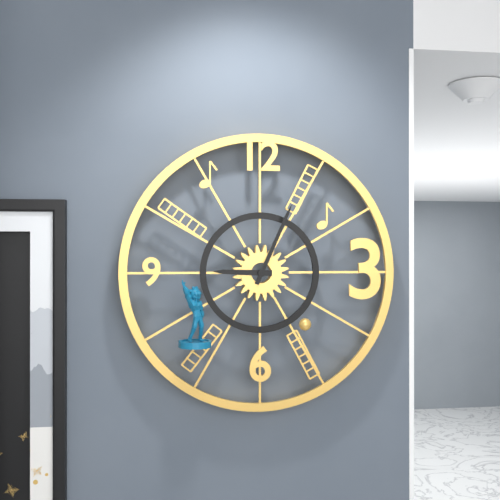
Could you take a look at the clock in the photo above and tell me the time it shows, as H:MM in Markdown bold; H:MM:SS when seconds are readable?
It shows **9:04**
